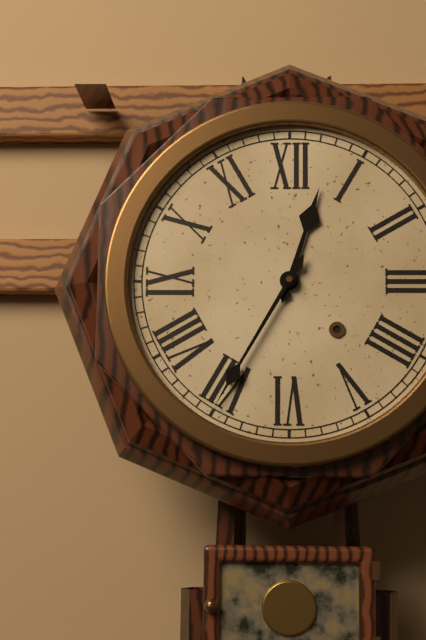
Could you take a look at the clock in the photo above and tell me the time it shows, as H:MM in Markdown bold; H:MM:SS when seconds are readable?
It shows **12:35**
